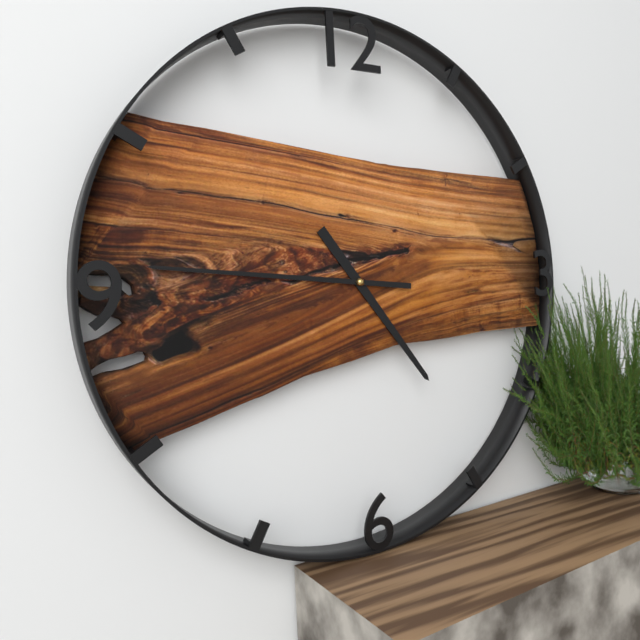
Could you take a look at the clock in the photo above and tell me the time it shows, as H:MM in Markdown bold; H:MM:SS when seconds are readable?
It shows **4:46**
